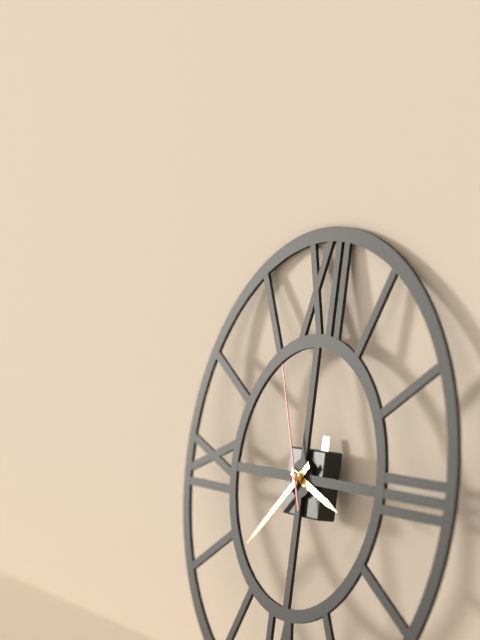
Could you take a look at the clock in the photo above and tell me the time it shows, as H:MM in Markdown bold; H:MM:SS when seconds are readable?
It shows **3:38:56**
